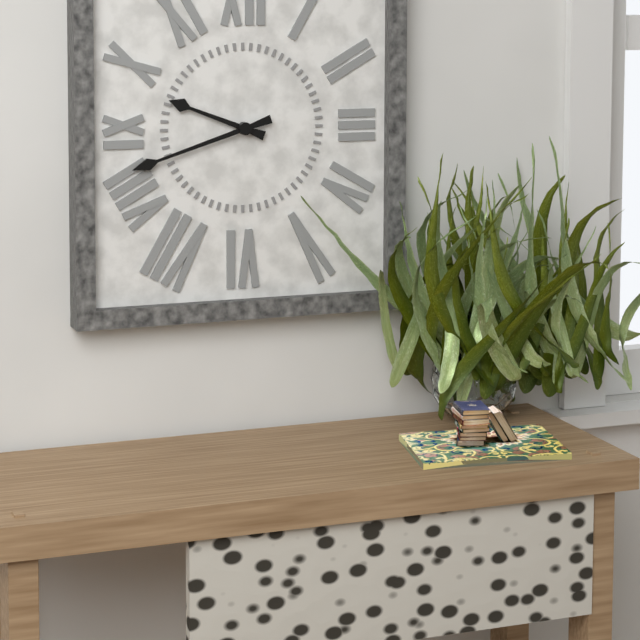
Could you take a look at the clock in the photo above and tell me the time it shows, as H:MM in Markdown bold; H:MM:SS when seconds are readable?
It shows **9:42**
